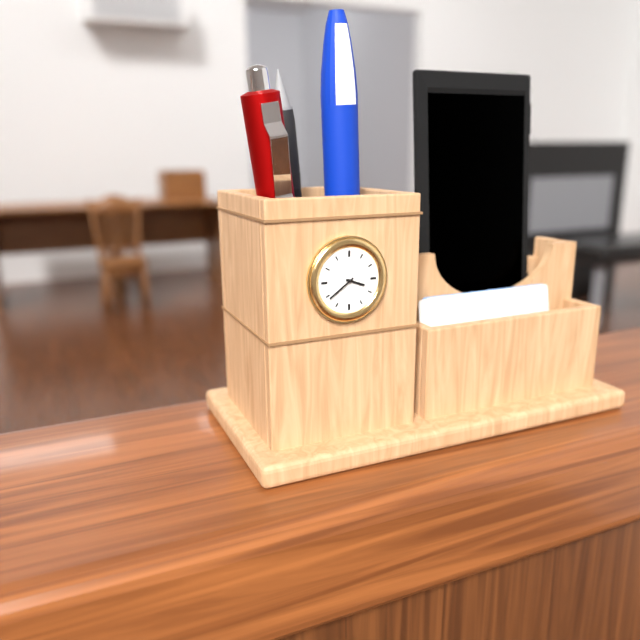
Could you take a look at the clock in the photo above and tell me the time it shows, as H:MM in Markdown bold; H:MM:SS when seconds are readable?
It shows **3:39**
